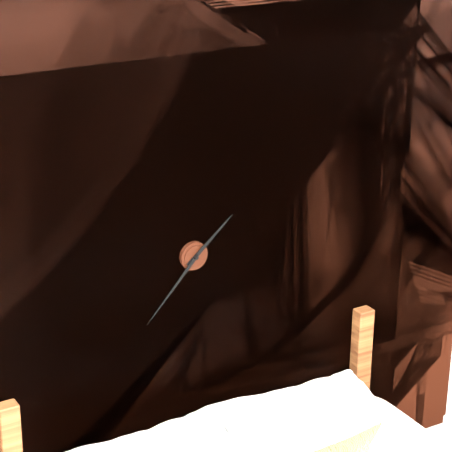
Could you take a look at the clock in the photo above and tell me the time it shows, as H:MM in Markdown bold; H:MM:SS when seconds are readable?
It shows **1:37**
